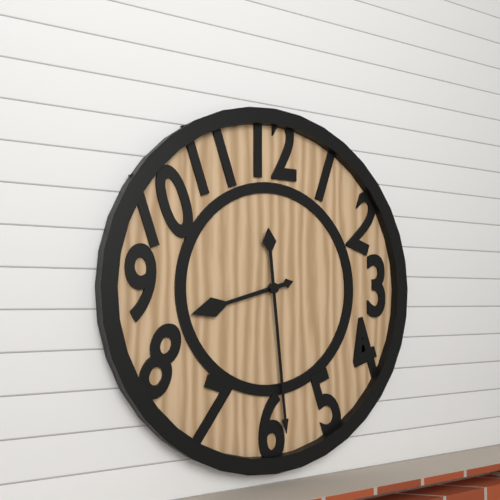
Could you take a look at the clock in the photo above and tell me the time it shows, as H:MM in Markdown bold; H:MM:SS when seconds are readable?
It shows **8:29**
